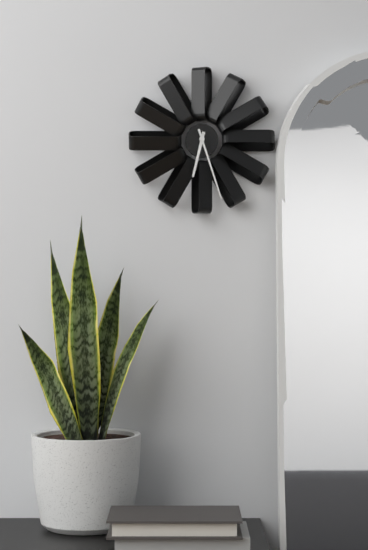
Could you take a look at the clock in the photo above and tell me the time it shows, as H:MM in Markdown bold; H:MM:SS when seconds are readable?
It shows **6:27**
